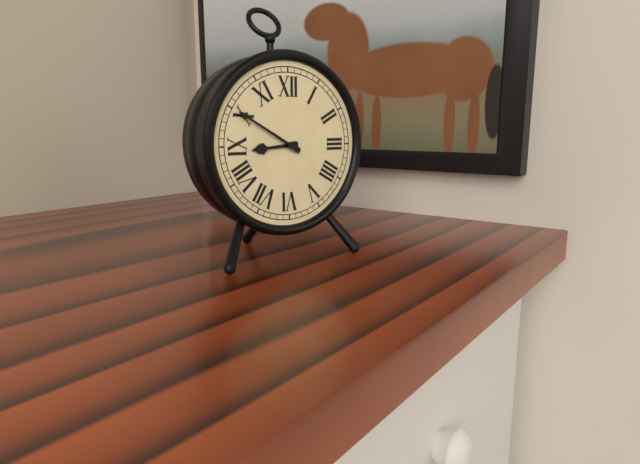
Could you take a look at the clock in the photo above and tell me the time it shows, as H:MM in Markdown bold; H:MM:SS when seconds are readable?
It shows **8:50**
